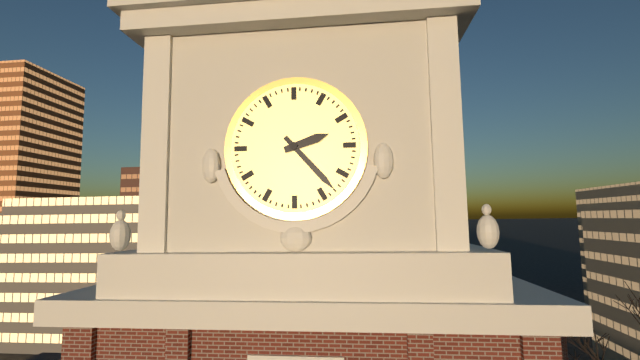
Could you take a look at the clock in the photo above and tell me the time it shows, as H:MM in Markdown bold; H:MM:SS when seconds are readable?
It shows **2:23**
